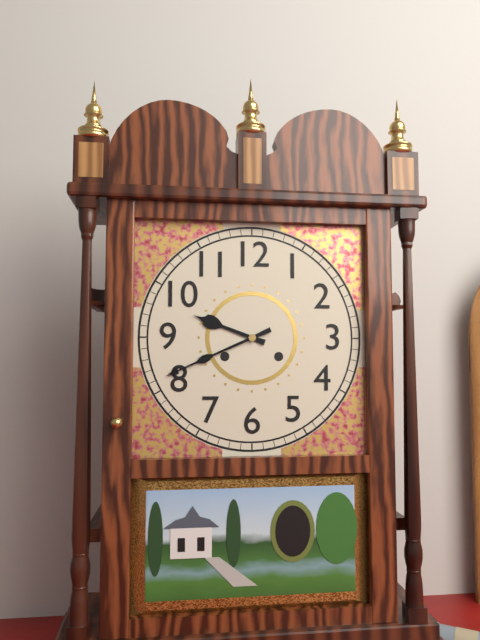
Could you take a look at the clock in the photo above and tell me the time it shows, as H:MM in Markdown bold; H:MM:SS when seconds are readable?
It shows **9:41**
